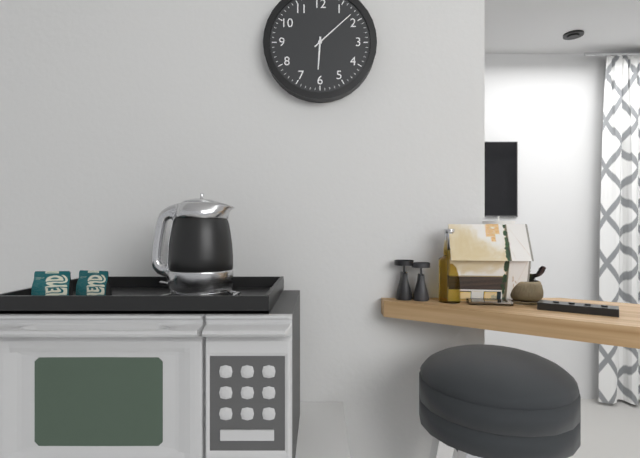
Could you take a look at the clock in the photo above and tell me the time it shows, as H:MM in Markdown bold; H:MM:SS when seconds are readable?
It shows **6:08**
